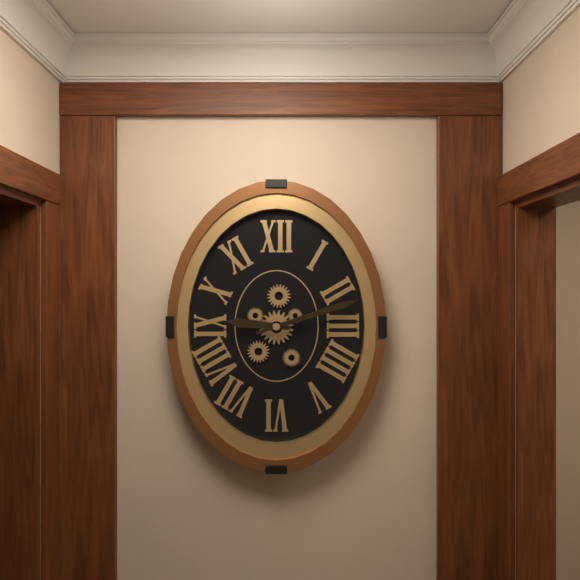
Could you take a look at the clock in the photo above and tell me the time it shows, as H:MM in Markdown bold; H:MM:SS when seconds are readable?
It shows **9:12**
